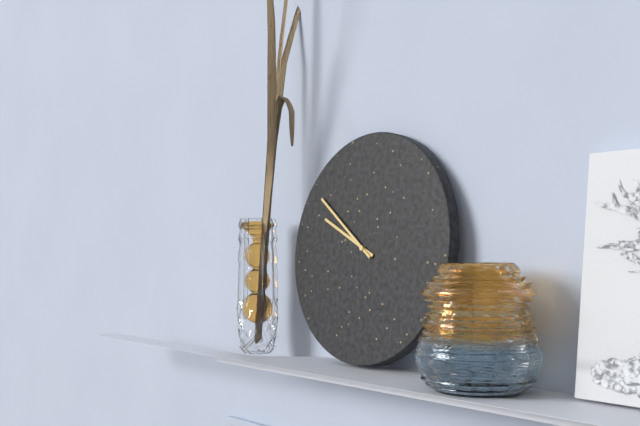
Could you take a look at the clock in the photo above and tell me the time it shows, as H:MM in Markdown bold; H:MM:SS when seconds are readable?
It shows **9:51**
